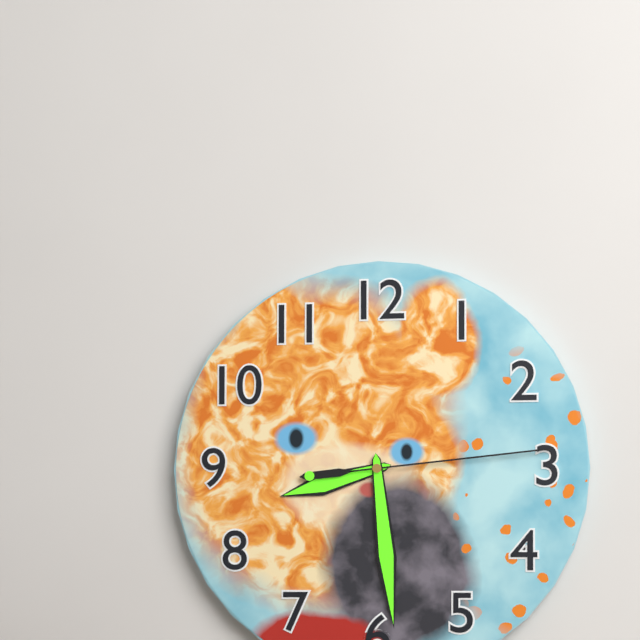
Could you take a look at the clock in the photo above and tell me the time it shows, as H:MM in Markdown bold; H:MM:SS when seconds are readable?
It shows **8:29:14**
